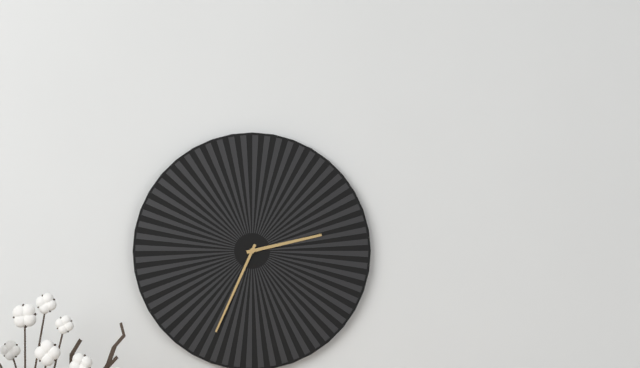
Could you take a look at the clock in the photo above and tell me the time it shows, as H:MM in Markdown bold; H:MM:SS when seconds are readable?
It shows **2:34**
